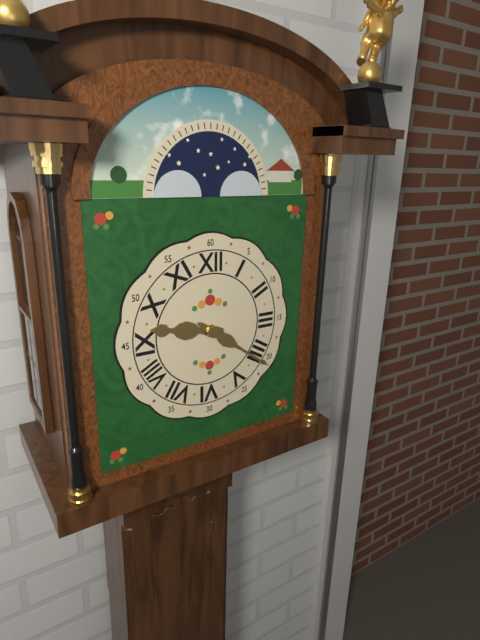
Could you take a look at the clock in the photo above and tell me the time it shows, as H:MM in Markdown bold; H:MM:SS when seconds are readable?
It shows **9:21**
